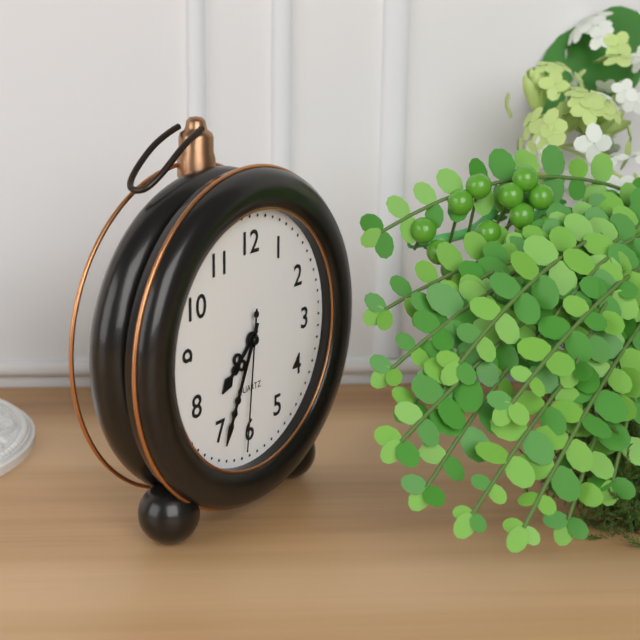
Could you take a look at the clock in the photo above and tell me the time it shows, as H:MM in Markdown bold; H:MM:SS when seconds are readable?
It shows **7:34:31**
